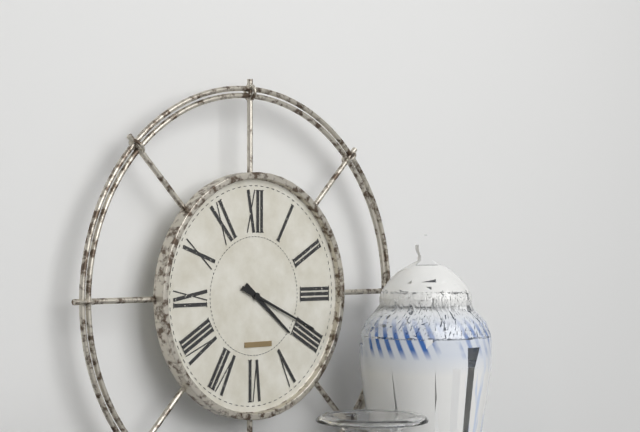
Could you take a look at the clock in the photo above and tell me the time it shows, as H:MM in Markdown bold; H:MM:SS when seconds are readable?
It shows **4:19**
